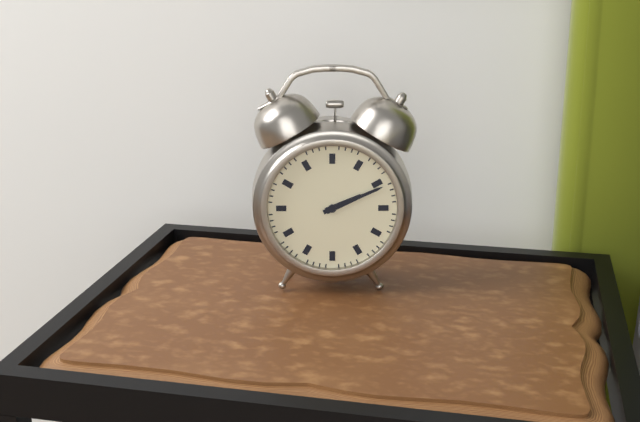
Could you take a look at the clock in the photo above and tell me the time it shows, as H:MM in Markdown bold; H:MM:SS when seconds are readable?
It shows **2:11**
